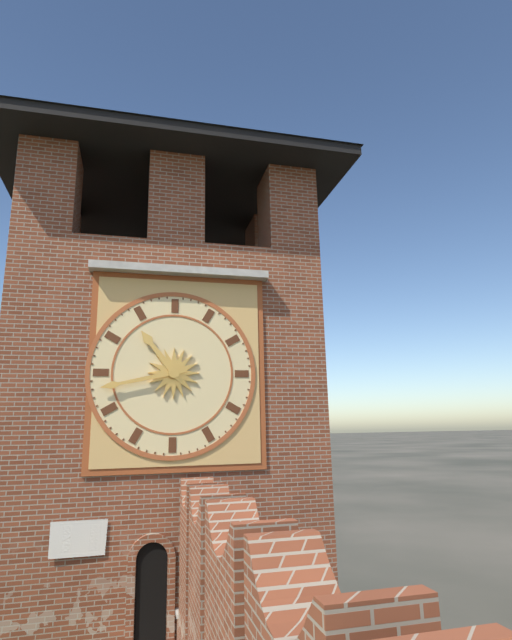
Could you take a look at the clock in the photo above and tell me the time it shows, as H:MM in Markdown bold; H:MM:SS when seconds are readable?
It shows **10:43**
